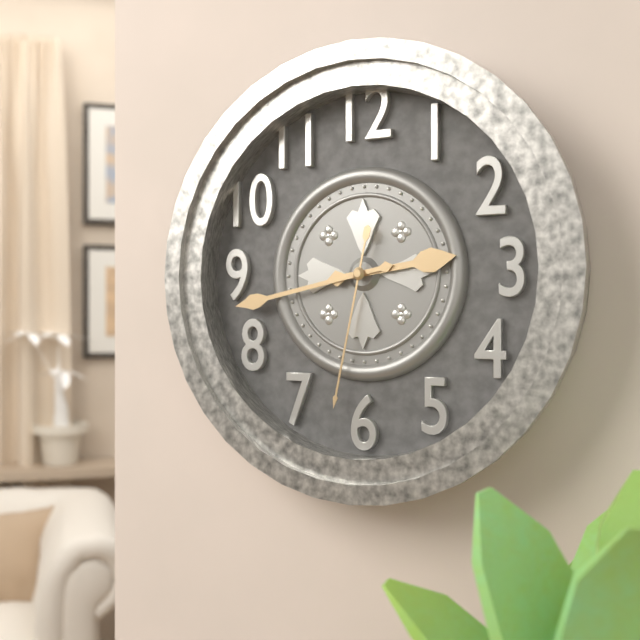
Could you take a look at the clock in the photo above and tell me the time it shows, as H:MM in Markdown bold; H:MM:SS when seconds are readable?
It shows **2:43:32**
